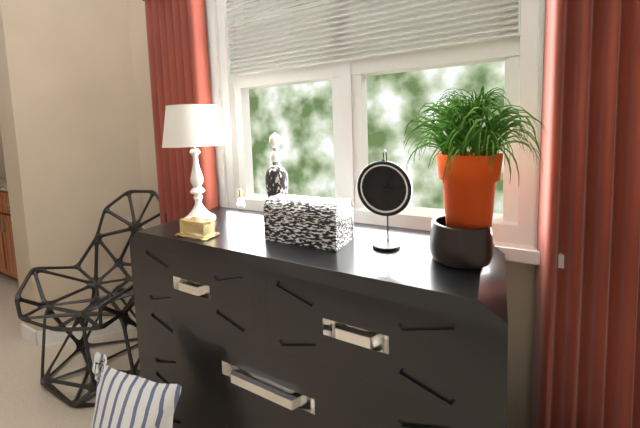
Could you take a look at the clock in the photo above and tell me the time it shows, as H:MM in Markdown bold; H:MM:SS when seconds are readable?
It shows **3:05**
